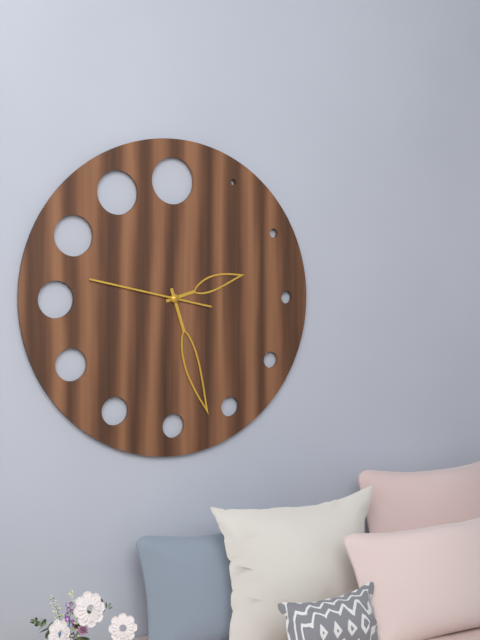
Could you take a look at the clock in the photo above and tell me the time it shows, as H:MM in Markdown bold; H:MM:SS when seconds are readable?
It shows **2:27:47**
